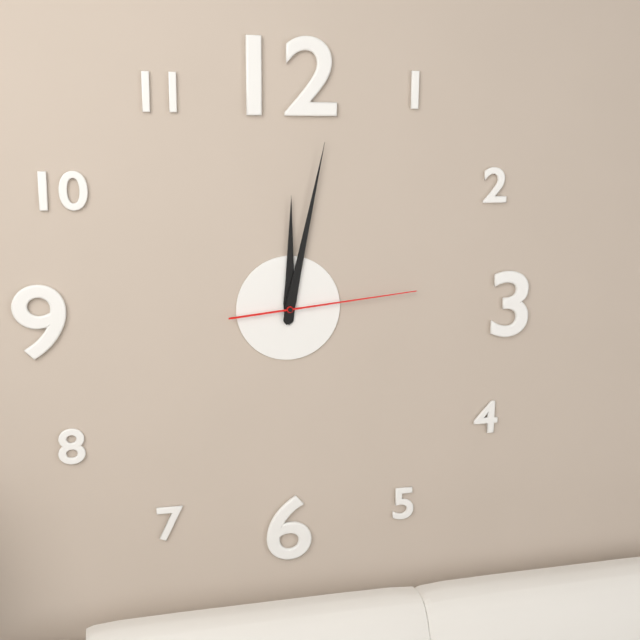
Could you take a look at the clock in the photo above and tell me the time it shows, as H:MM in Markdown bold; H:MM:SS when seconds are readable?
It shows **12:02:14**
